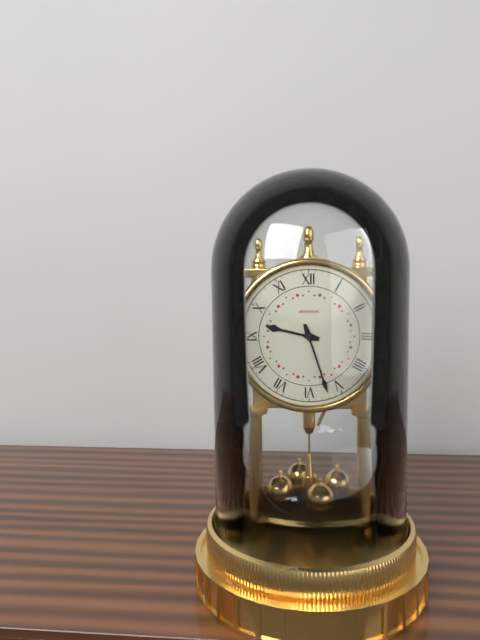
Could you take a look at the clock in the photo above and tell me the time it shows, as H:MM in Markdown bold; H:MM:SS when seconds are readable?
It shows **9:27**
